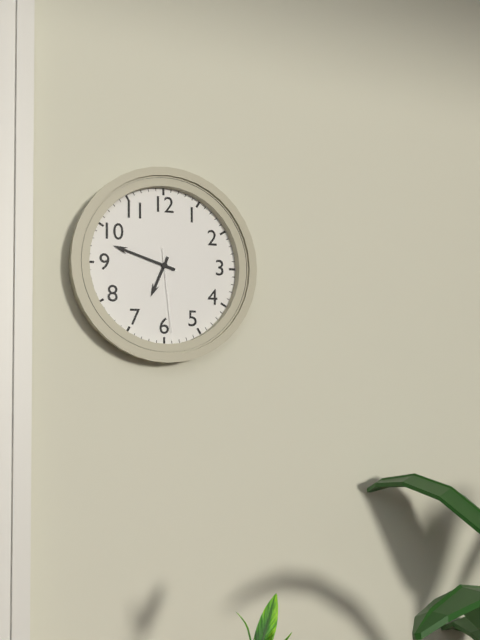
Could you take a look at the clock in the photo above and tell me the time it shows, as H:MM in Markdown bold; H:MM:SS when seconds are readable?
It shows **6:48:29**
